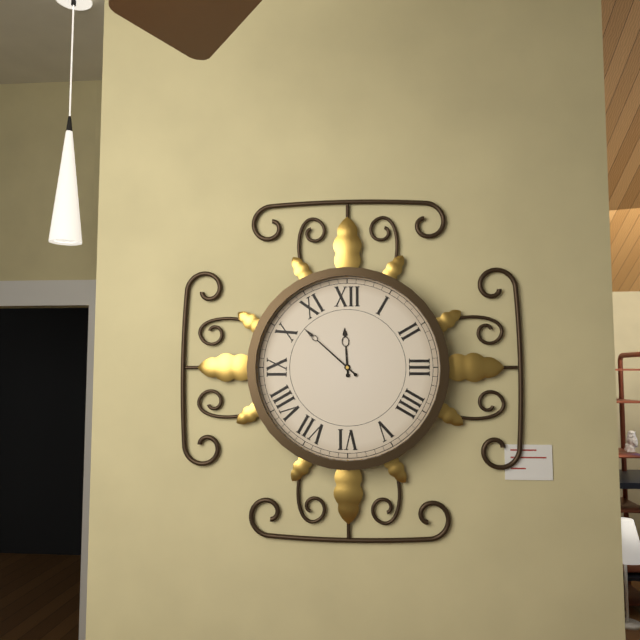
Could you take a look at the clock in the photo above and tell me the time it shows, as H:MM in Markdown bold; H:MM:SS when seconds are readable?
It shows **11:52**
